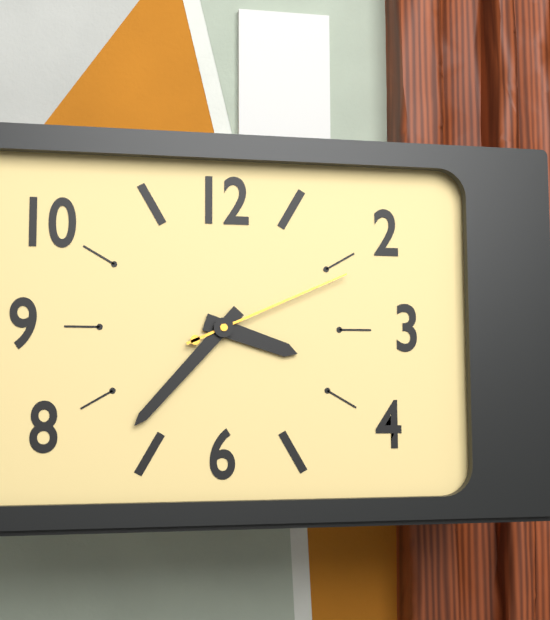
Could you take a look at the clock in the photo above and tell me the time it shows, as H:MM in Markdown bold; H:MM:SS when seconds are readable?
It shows **3:37:11**
